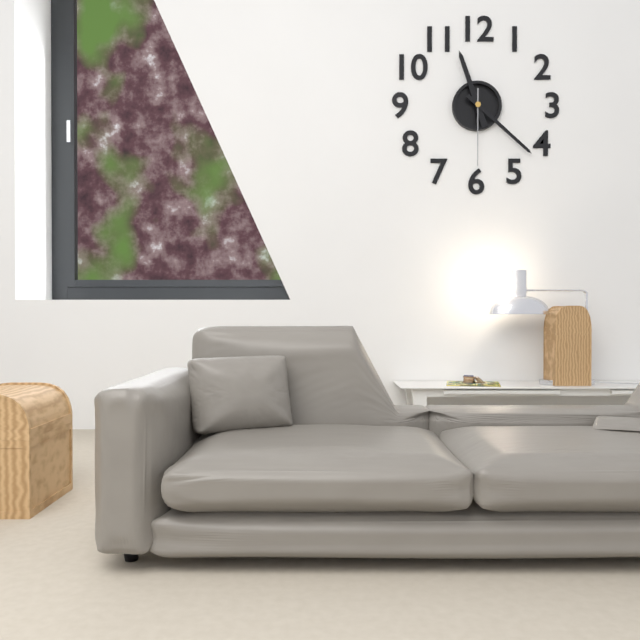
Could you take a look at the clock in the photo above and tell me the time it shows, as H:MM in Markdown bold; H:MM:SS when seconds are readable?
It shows **11:22:30**
